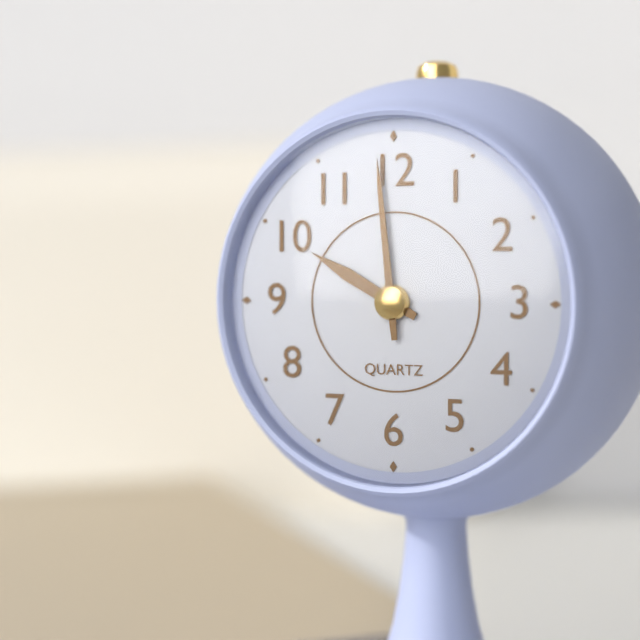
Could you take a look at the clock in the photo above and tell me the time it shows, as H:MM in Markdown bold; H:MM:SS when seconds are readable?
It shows **9:59**
